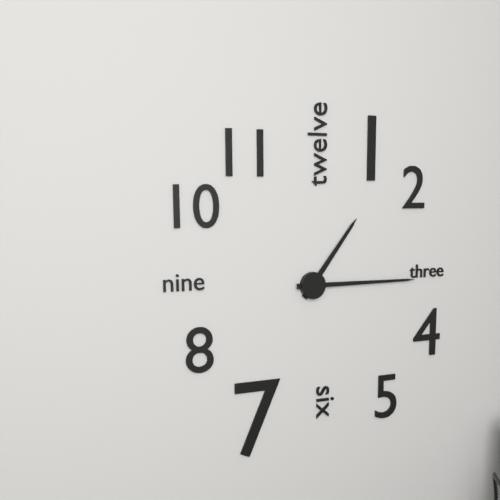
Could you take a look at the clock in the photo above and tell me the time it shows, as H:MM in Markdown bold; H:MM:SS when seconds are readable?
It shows **1:15**
